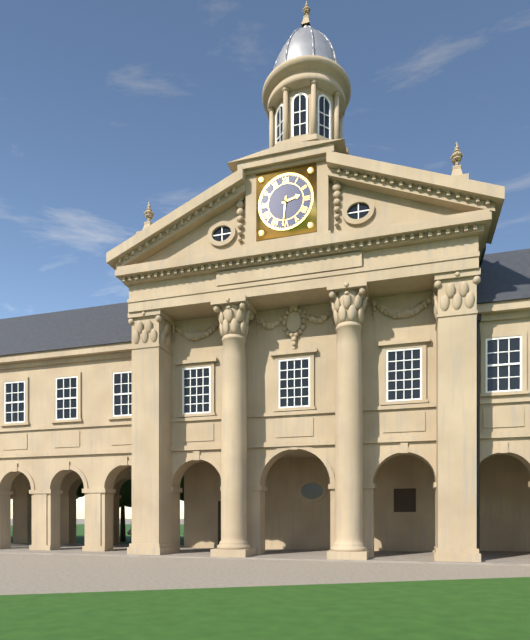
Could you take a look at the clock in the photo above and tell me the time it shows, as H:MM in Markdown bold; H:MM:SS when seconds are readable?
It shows **2:31**
